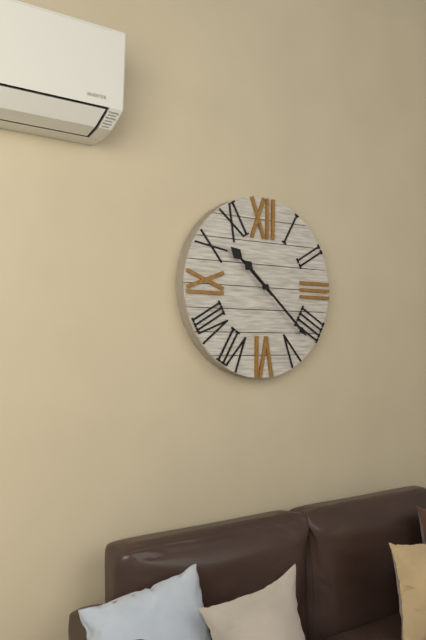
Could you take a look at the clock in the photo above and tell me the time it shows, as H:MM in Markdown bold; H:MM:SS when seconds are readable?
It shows **10:22**
